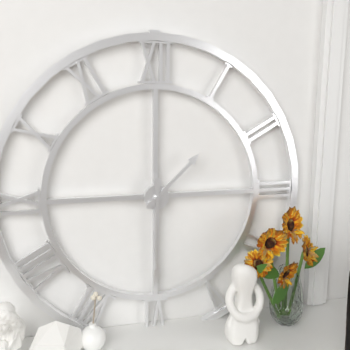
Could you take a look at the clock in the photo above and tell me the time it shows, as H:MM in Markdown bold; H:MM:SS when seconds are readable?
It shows **1:30**
